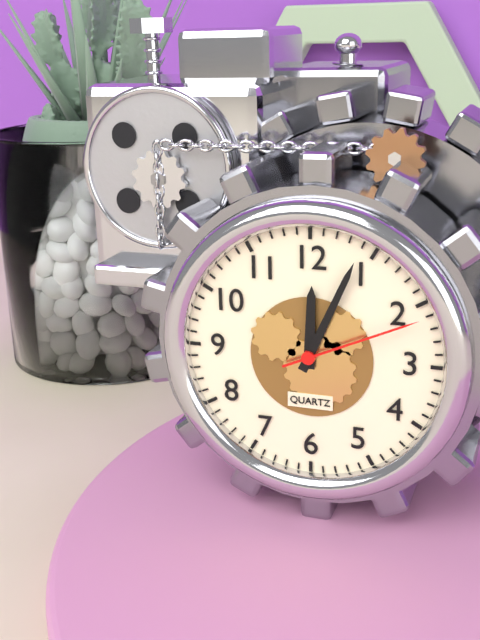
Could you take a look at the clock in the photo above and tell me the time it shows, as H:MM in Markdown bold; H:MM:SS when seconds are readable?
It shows **12:04:11**
